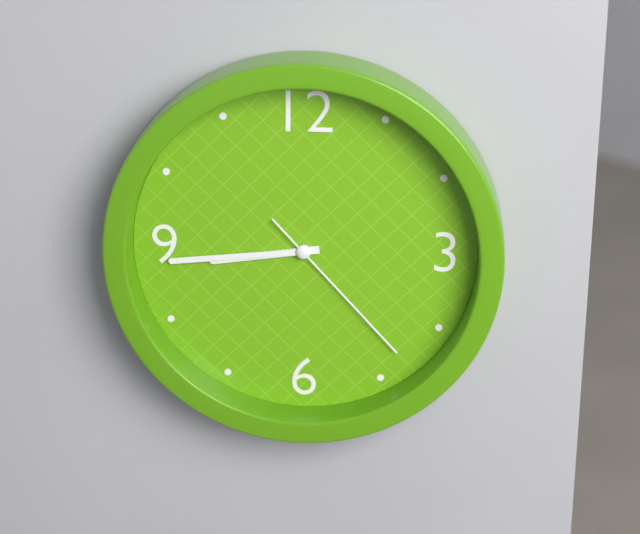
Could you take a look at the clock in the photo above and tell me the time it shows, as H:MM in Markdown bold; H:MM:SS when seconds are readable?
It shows **8:44:23**
